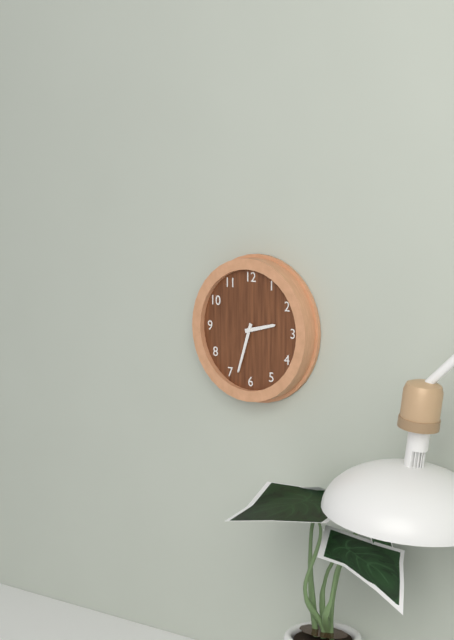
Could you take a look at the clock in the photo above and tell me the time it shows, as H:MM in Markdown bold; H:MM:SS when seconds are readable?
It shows **2:33**
